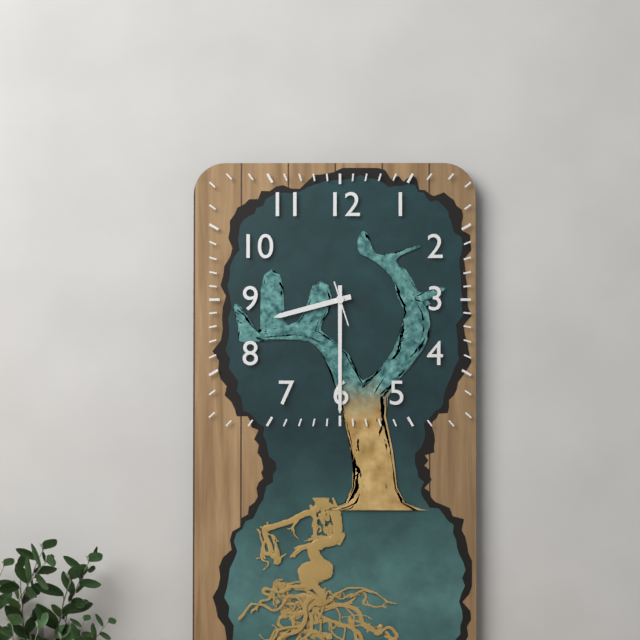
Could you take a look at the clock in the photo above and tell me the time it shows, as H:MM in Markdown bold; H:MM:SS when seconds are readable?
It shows **8:30**
